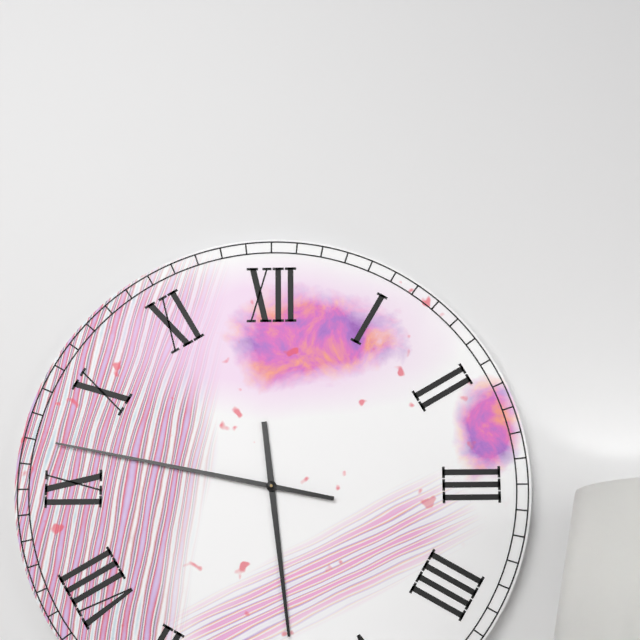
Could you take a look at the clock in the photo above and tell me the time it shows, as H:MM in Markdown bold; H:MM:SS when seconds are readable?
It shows **5:47**
